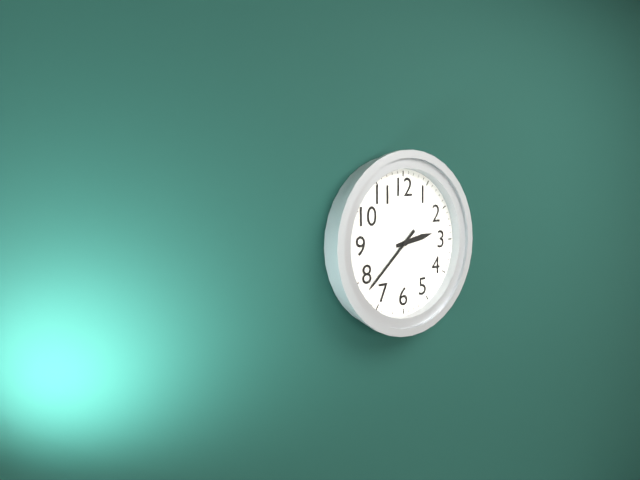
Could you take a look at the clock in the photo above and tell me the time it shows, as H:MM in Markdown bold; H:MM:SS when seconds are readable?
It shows **2:38**
